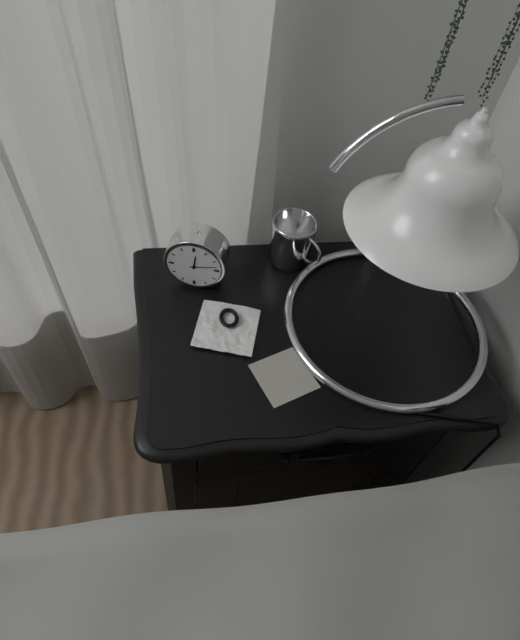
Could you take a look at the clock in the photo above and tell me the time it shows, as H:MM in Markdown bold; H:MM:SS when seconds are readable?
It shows **12:13**
